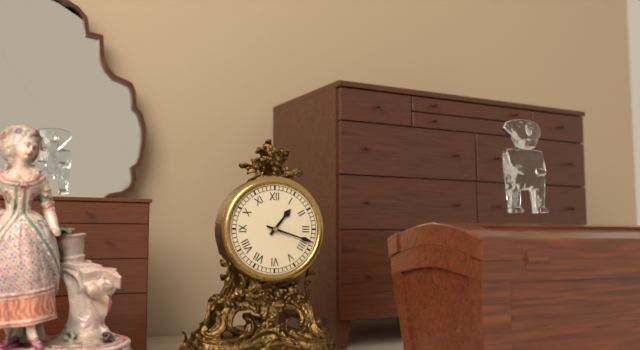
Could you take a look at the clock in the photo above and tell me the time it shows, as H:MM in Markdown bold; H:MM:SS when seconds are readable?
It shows **1:18**
